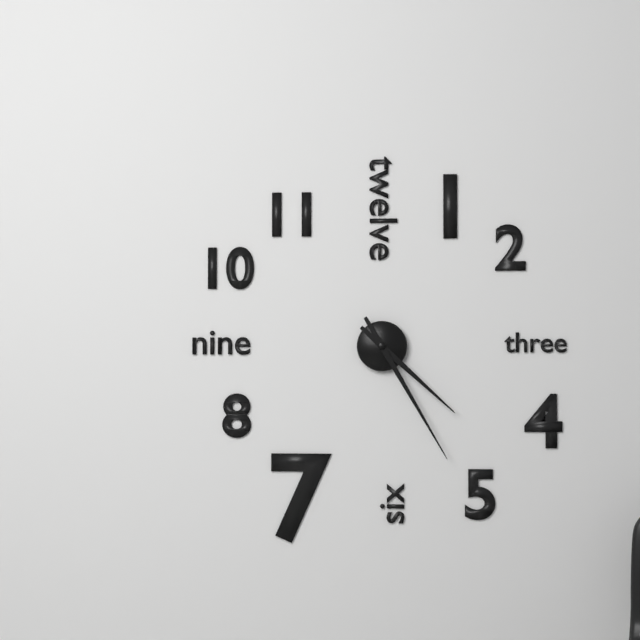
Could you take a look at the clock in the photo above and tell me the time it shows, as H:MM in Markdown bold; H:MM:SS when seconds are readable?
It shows **4:25**
